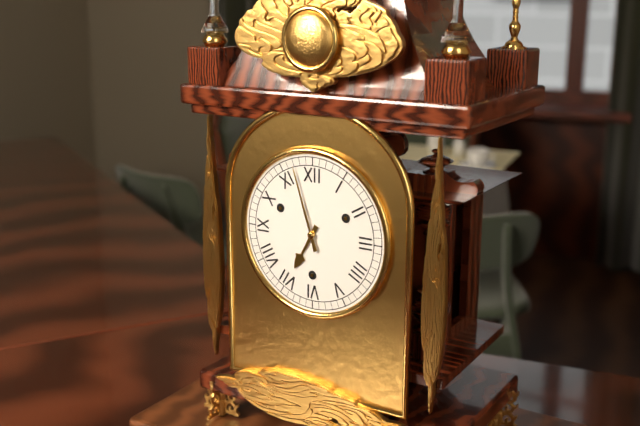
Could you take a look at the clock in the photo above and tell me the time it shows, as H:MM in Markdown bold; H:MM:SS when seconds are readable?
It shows **6:57**
